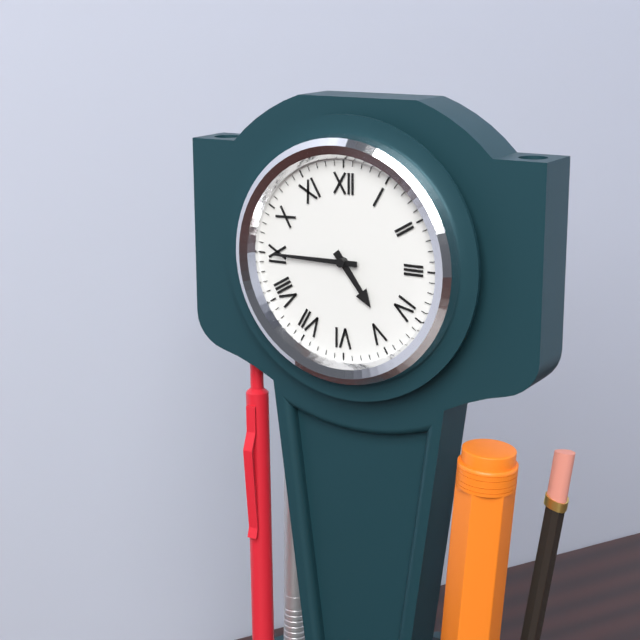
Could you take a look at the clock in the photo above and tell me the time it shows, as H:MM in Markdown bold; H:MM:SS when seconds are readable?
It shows **4:45**
